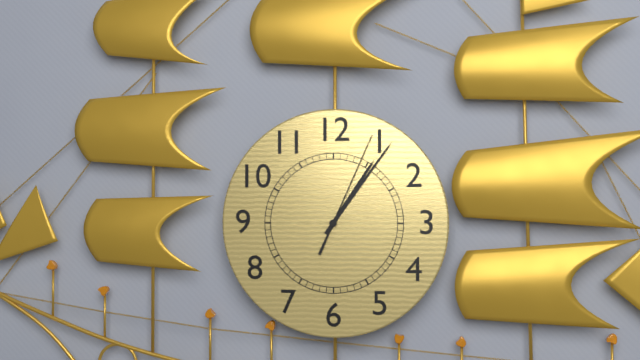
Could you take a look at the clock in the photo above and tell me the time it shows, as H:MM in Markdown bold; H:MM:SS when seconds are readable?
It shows **1:06:04**
